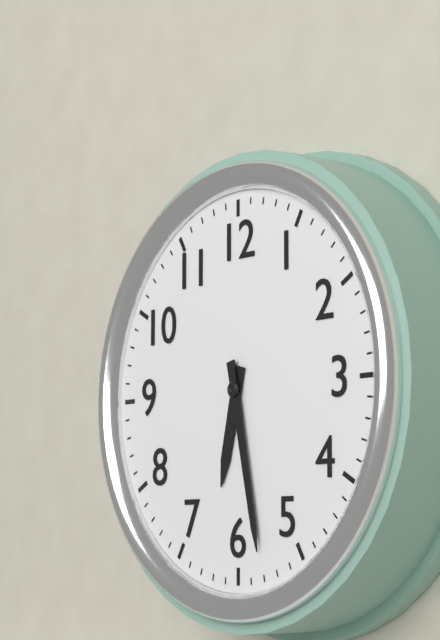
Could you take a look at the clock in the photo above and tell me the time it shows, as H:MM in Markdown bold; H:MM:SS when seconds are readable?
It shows **6:28**
